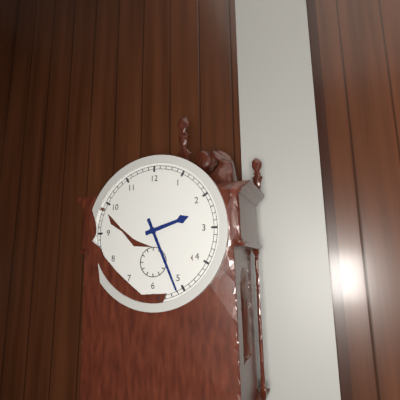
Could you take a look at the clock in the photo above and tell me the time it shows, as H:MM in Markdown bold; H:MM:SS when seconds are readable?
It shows **2:26**
